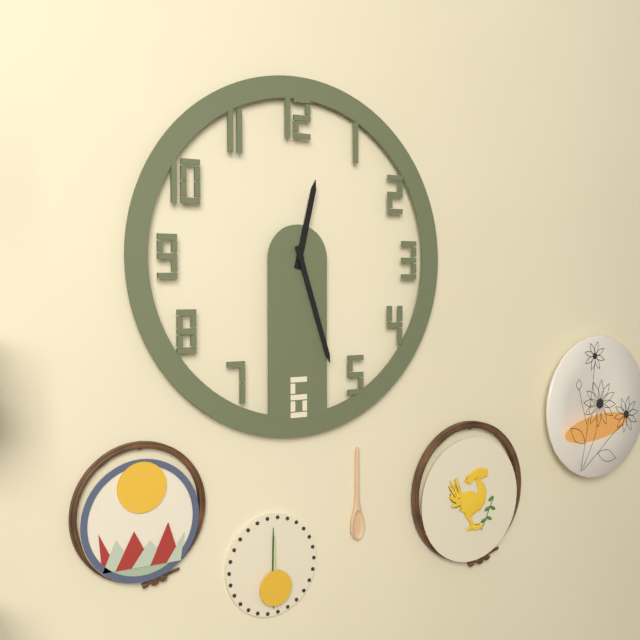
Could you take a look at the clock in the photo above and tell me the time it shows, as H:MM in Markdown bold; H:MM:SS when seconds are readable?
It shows **12:27**
